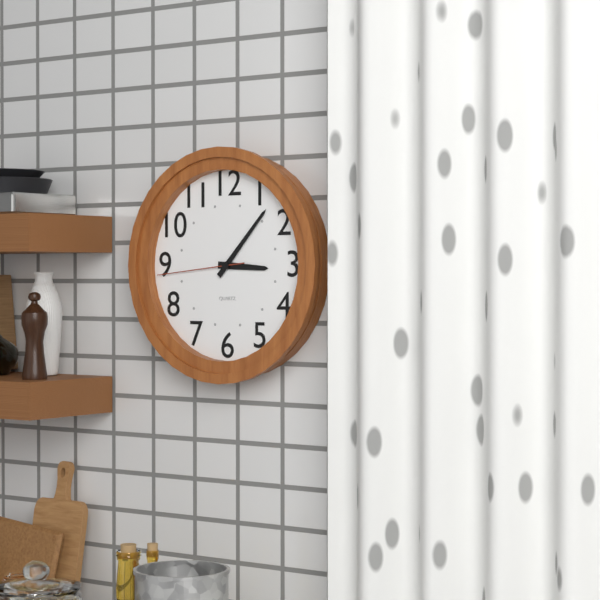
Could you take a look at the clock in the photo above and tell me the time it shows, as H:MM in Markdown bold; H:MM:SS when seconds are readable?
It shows **3:07:44**
